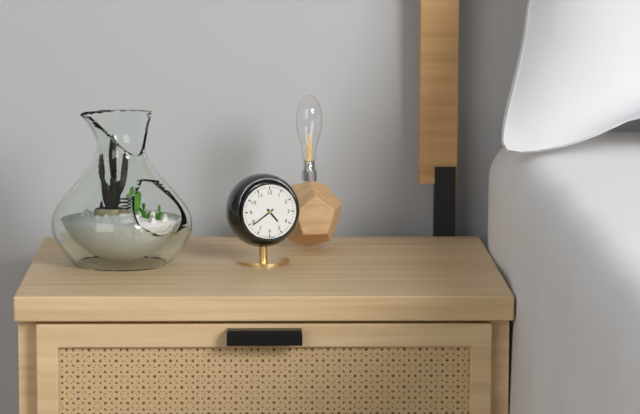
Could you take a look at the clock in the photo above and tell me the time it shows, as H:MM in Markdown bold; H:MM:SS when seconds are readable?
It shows **4:39**
